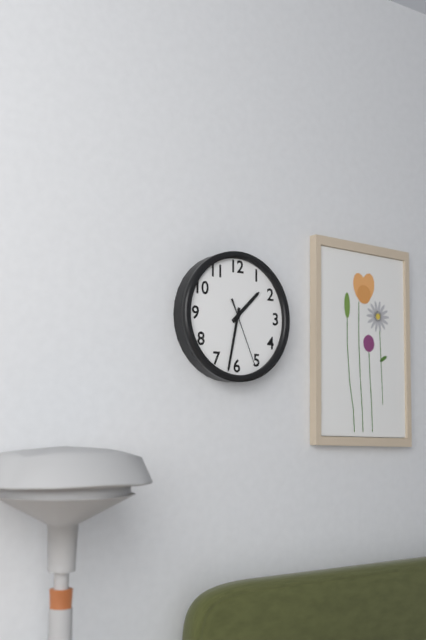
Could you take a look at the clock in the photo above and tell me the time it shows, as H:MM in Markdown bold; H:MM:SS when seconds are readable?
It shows **1:32:26**
